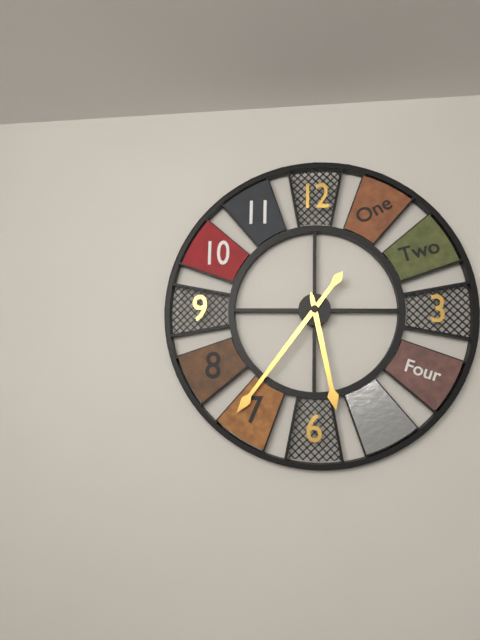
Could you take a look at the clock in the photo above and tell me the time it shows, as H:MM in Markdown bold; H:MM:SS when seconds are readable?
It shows **5:36**
